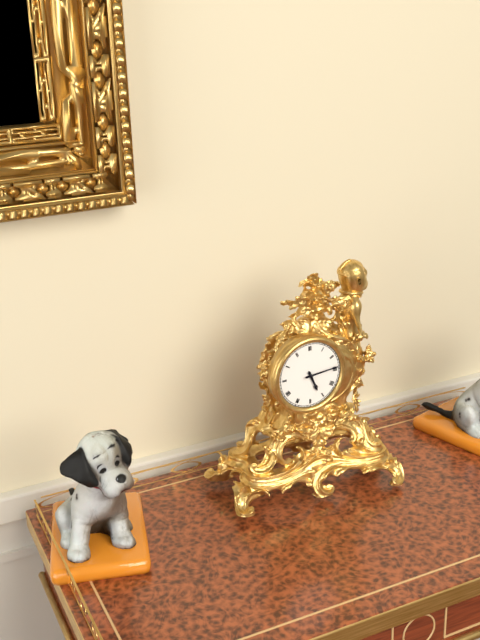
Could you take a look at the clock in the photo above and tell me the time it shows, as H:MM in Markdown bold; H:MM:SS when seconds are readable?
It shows **5:14**
